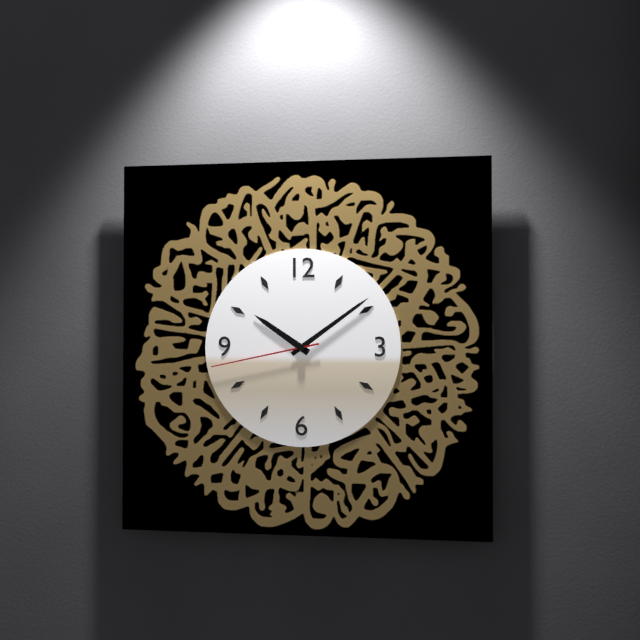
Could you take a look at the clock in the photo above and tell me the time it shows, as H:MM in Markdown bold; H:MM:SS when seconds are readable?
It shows **10:09:43**
